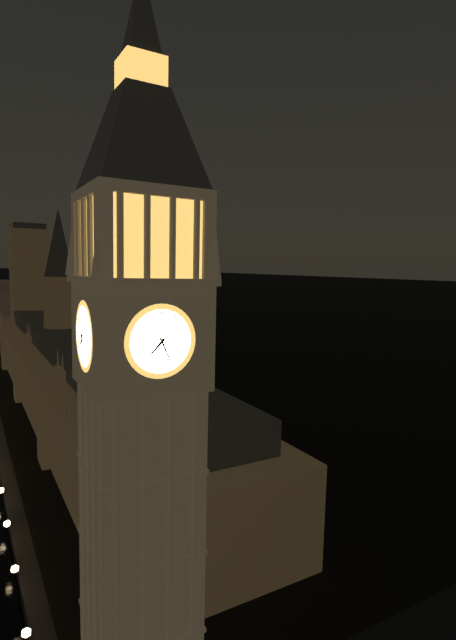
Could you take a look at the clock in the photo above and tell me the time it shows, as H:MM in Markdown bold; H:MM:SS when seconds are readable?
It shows **7:26**
